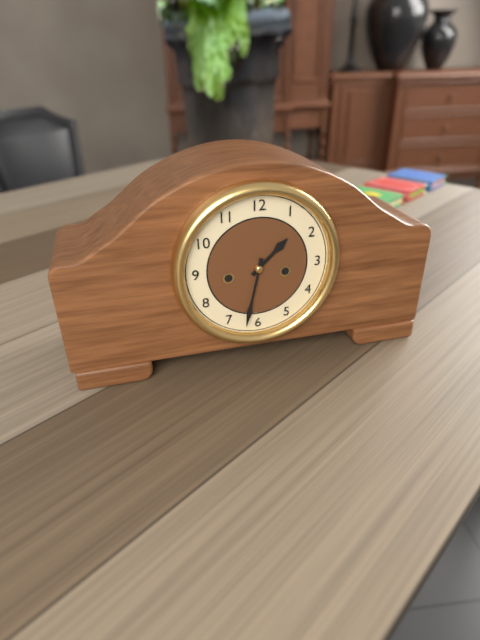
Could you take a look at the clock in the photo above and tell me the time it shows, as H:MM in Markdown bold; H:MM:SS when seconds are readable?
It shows **1:32**
